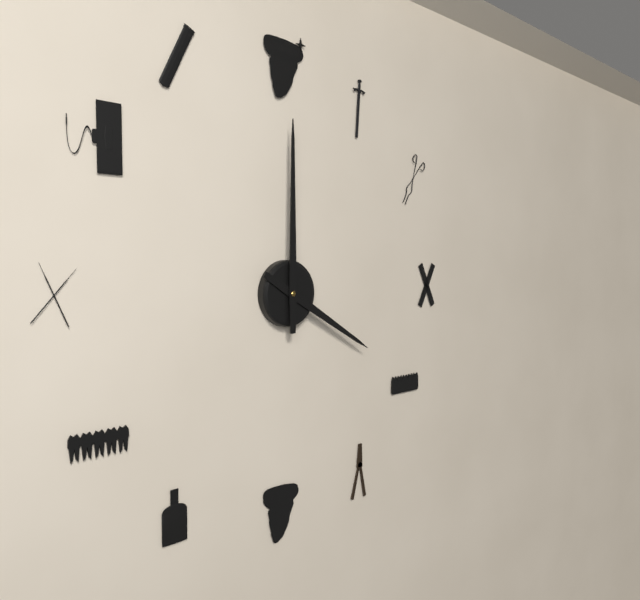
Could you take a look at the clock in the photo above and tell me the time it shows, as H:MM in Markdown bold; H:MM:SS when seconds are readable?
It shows **4:00**
